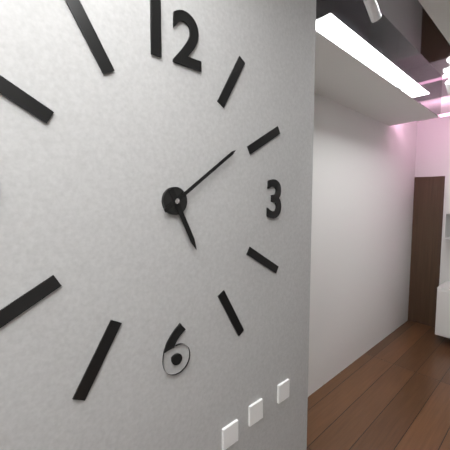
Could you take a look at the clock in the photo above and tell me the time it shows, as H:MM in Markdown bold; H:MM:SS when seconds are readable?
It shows **5:09**
